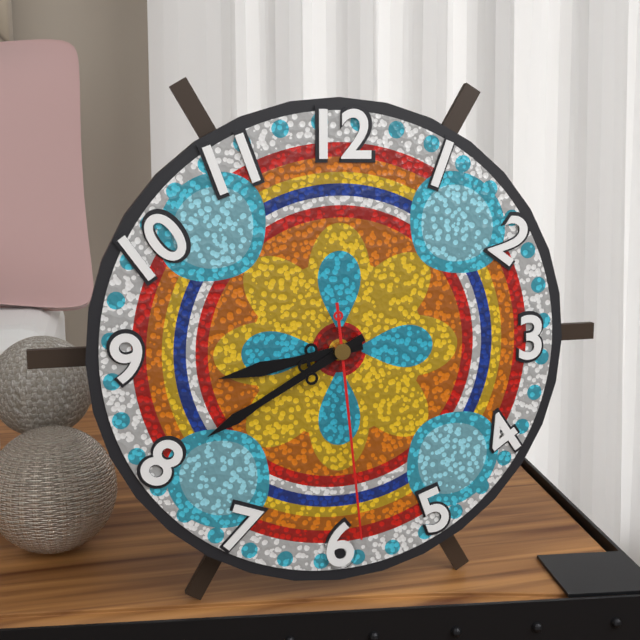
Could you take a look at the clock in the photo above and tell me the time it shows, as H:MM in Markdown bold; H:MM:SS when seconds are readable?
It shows **8:40:29**
